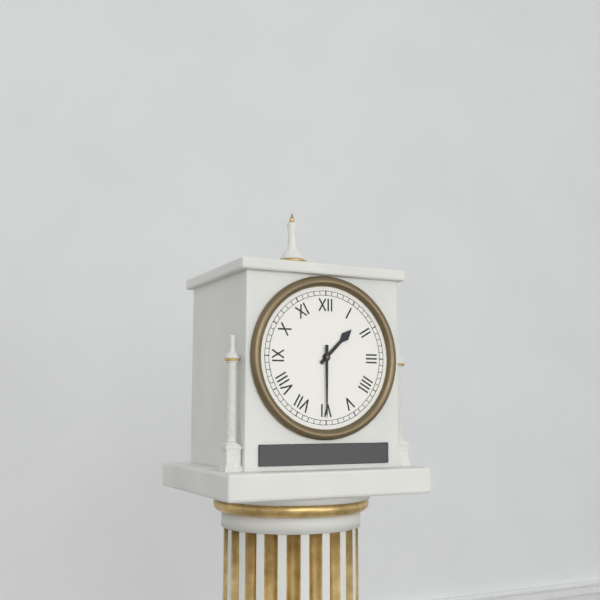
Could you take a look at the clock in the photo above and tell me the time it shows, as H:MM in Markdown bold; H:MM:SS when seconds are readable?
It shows **1:30**
